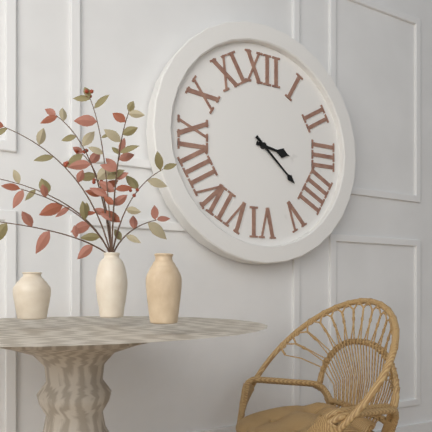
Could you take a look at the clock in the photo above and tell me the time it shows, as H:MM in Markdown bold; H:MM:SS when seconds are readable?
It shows **3:22**
